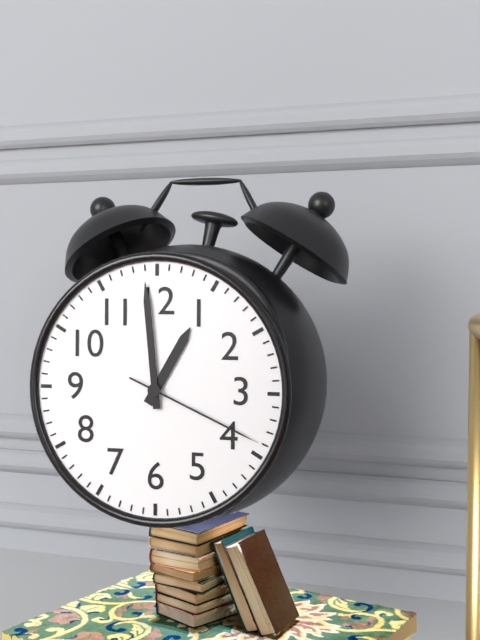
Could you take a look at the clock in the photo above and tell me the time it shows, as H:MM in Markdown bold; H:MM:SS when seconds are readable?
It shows **12:59:19**
